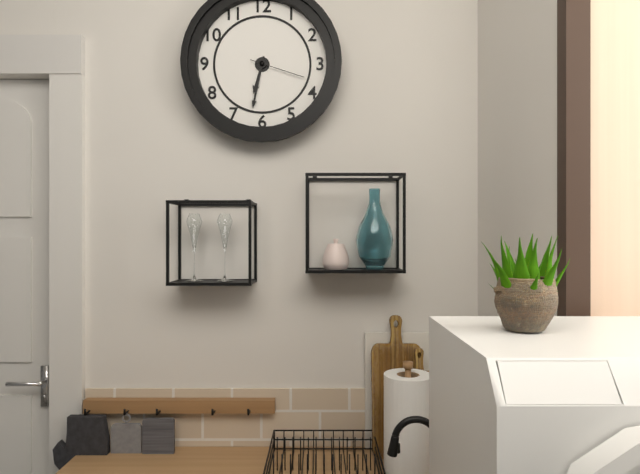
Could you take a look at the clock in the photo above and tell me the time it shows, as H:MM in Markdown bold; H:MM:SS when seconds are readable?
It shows **6:32:18**
